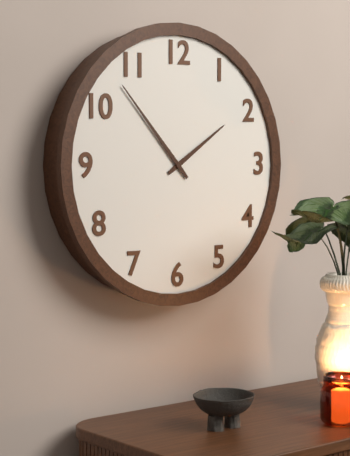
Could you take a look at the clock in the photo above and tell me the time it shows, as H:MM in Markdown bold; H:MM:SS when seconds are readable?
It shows **1:53**
